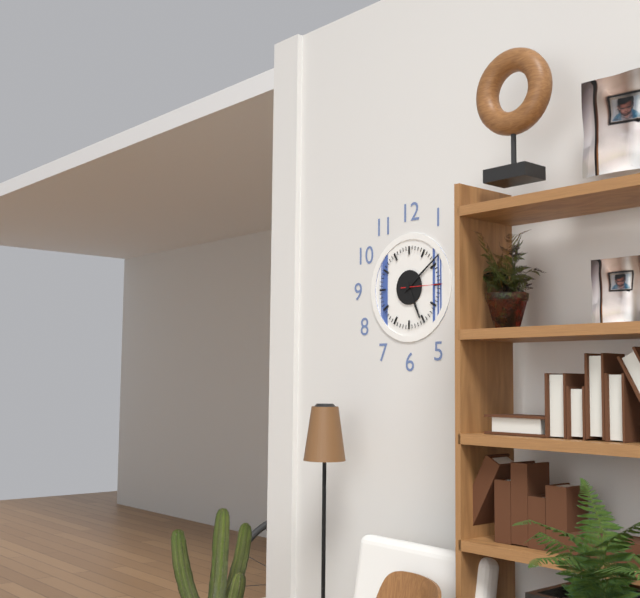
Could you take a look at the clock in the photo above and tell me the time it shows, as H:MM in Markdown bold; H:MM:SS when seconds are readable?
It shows **5:09**
